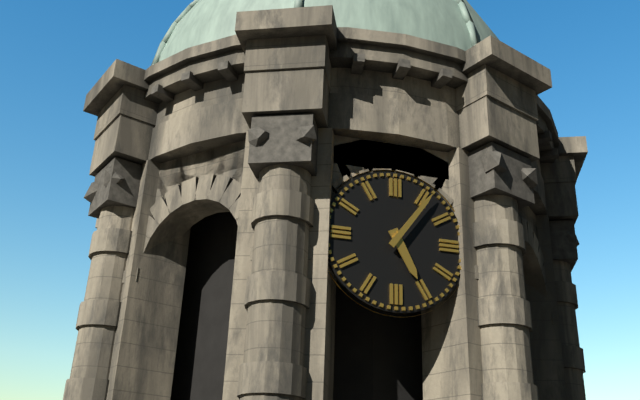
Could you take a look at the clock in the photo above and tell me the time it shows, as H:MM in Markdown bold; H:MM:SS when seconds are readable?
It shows **5:06**
